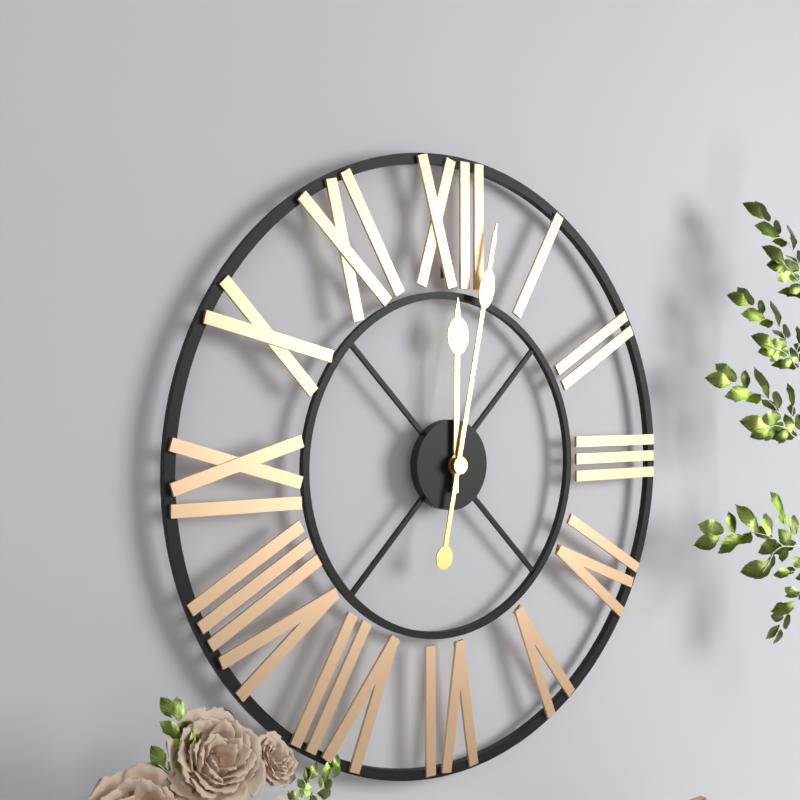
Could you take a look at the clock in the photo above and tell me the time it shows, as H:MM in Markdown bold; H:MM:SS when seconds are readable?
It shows **12:02**
